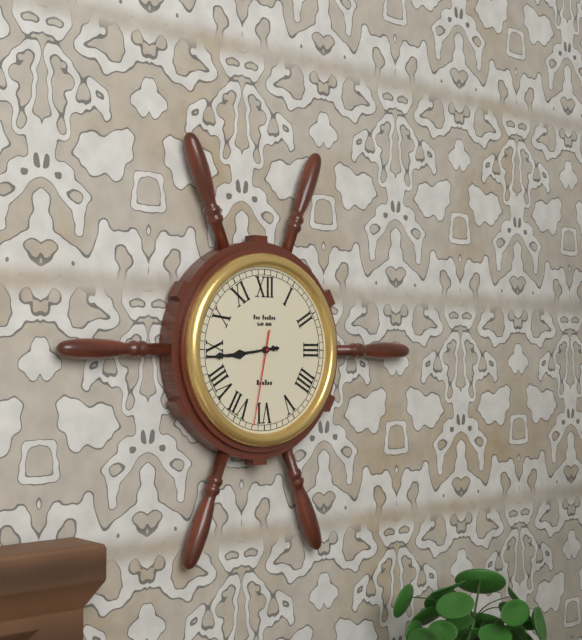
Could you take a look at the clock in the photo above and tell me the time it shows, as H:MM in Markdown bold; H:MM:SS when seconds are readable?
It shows **8:44:32**
